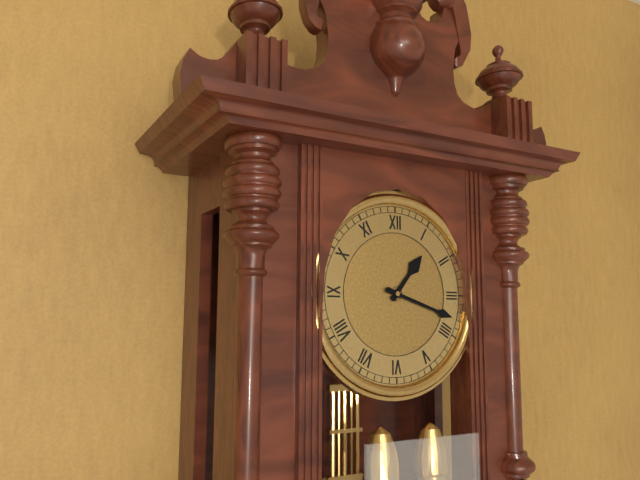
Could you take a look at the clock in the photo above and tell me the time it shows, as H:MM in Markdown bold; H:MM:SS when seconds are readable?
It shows **1:18**
